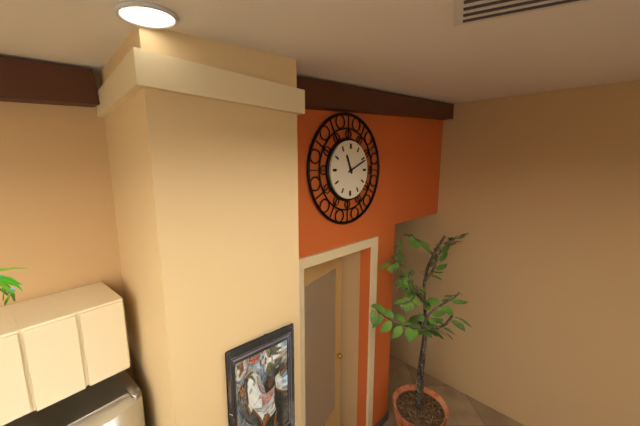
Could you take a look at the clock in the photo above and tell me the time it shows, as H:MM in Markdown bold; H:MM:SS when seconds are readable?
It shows **11:11**
